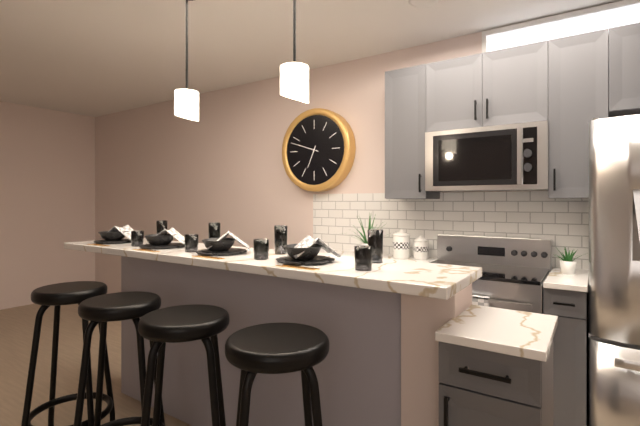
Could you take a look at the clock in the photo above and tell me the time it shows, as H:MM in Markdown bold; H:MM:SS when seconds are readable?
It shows **6:48**
